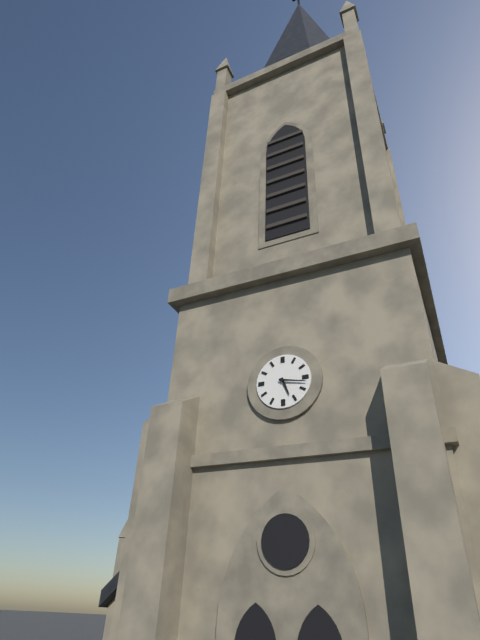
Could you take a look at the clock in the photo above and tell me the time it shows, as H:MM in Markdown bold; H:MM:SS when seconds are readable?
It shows **5:17**
